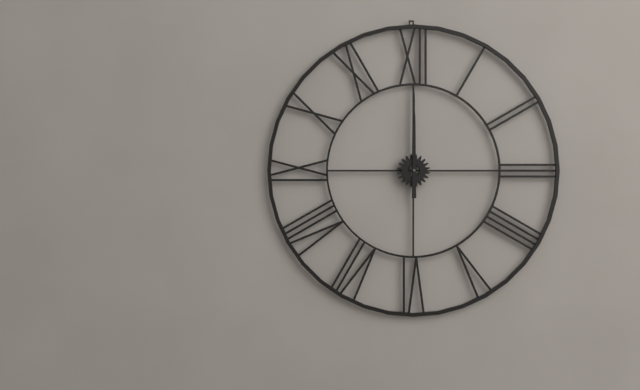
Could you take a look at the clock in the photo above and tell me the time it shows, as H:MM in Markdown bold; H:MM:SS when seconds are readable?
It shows **12:00**
